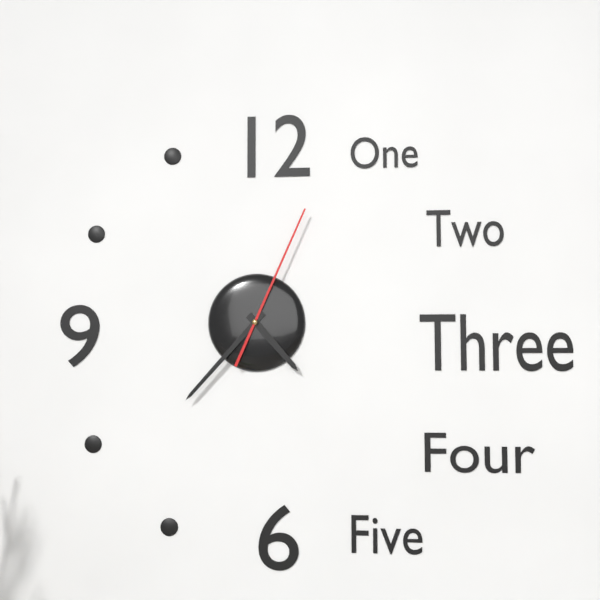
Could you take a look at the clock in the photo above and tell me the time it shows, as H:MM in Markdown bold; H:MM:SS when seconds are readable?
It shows **4:37:04**
